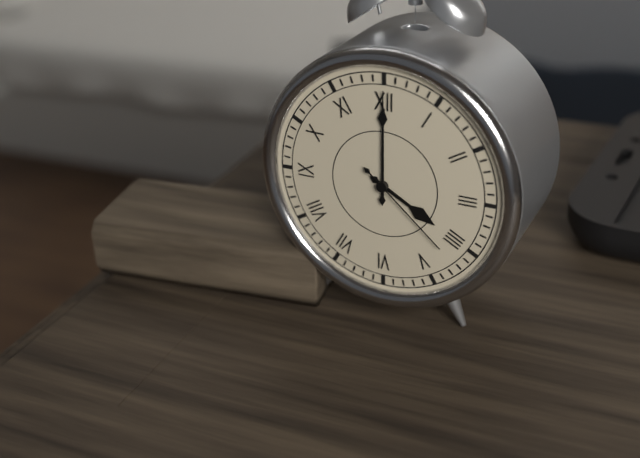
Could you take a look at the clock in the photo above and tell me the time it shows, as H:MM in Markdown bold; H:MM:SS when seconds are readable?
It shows **4:00:22**
